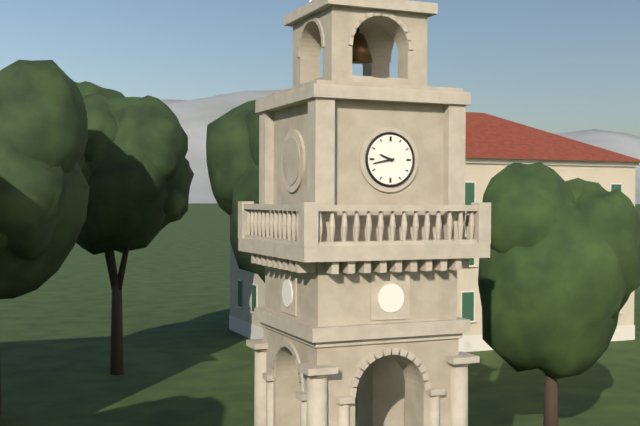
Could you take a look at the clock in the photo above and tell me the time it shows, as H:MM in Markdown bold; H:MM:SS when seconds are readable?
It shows **9:43**
